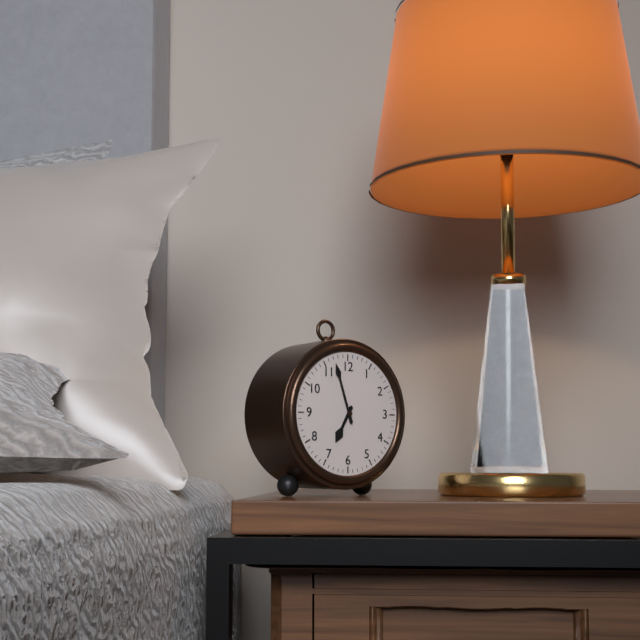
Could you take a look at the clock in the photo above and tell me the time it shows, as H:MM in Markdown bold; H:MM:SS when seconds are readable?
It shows **6:57**
